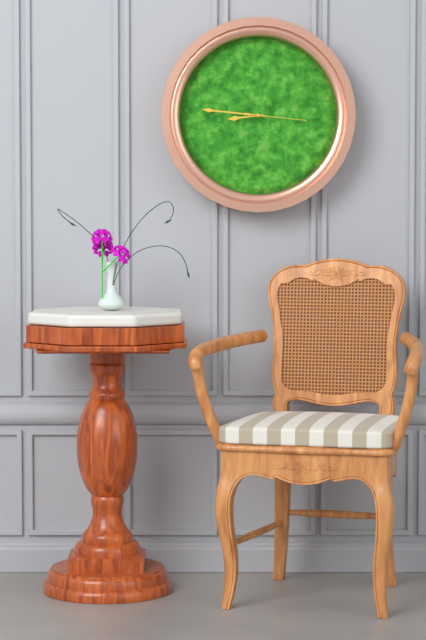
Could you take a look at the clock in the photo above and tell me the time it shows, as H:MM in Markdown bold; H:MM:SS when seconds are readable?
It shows **8:46:16**
